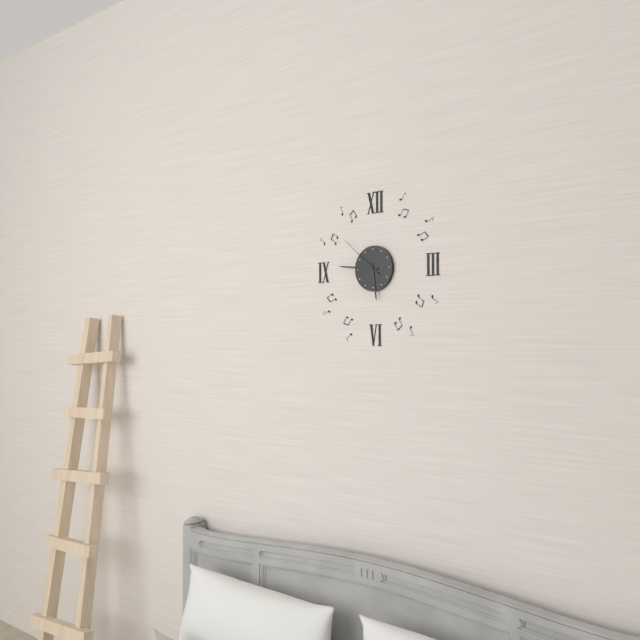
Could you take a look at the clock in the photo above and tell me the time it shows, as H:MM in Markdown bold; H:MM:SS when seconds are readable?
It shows **5:46:52**
